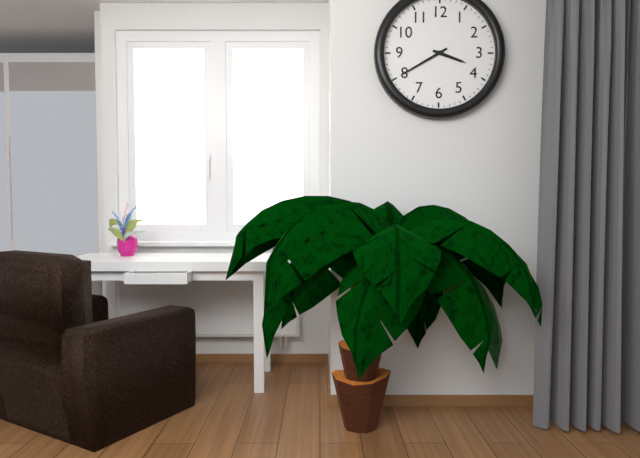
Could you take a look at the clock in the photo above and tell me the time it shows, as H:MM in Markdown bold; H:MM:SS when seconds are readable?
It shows **3:40**
